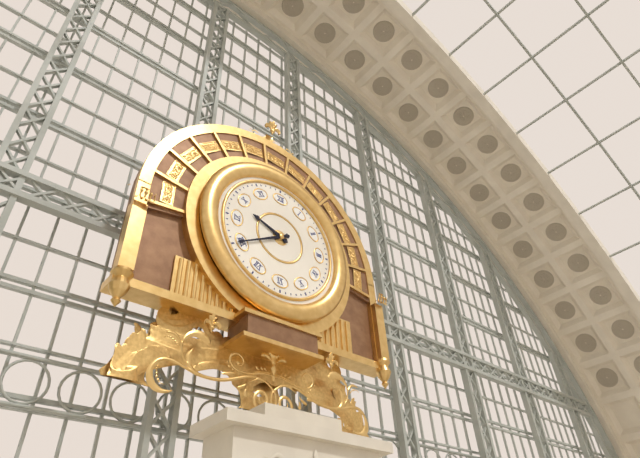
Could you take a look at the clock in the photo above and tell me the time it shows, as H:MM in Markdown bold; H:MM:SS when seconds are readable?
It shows **9:40**
